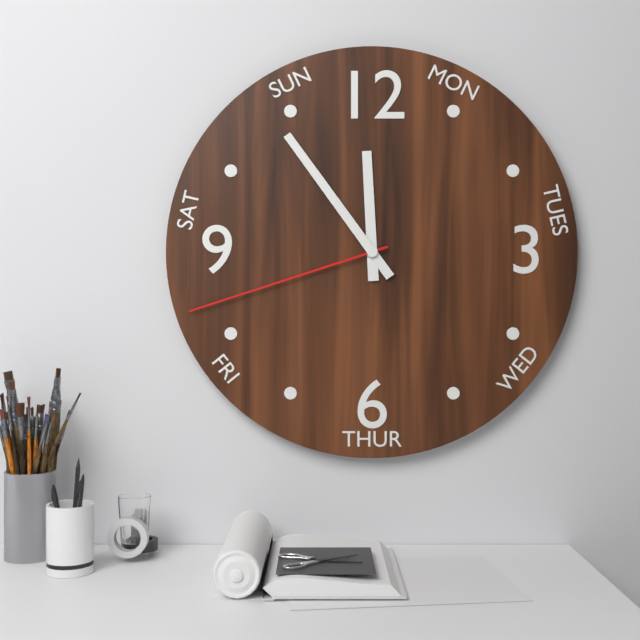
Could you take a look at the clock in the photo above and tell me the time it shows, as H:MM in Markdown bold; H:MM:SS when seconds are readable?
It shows **11:54:42**
